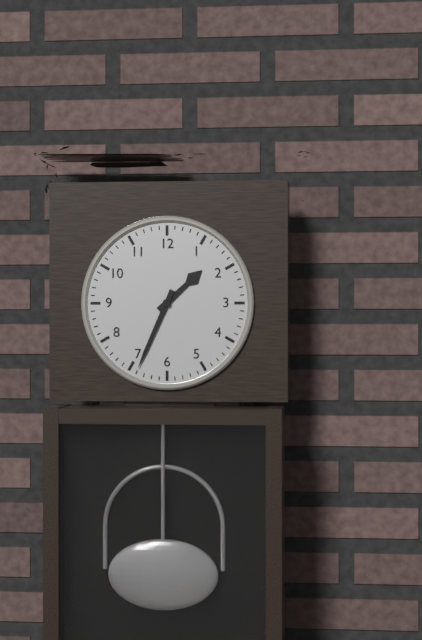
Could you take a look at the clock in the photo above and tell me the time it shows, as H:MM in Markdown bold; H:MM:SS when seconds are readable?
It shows **1:34**
